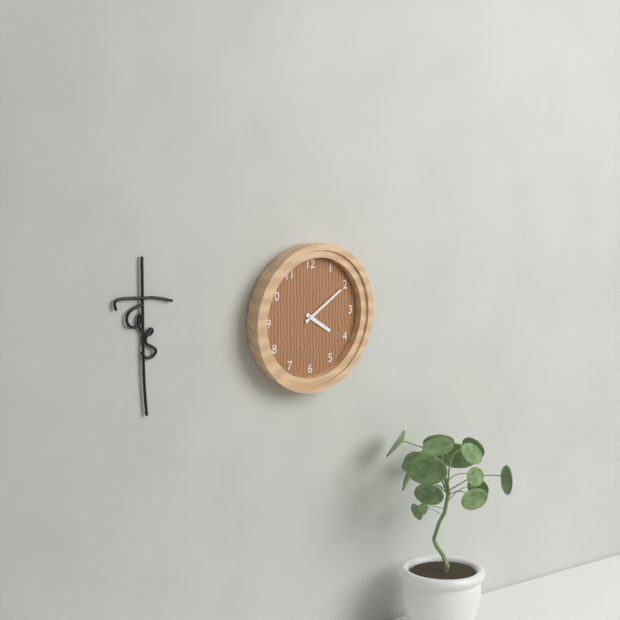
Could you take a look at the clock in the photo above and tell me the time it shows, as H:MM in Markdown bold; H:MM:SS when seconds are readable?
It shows **4:10**
